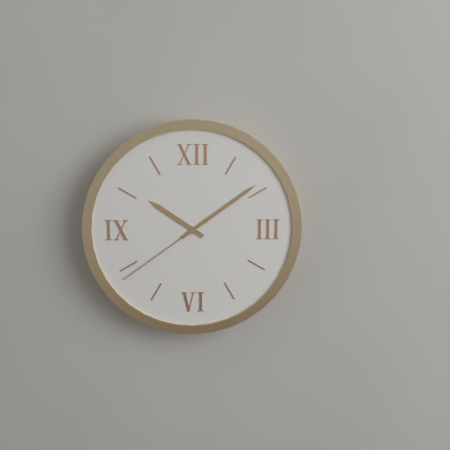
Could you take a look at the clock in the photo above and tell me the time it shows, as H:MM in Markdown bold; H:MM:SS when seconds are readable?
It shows **10:09:39**
